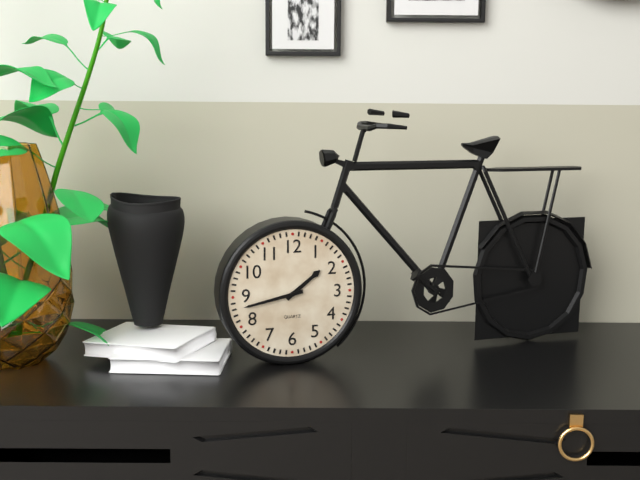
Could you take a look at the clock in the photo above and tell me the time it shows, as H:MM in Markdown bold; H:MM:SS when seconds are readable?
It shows **1:43**
